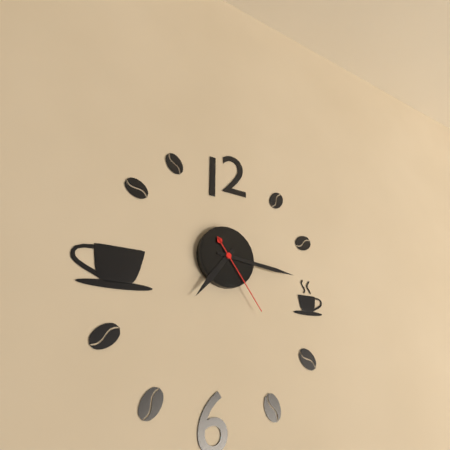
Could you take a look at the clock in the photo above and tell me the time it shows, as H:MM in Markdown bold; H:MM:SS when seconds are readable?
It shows **7:16:24**
